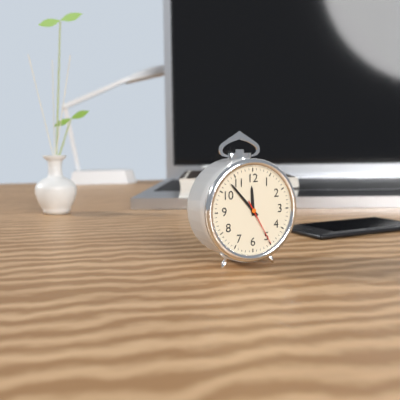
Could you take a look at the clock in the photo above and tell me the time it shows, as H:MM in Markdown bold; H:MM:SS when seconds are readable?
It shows **11:53**
